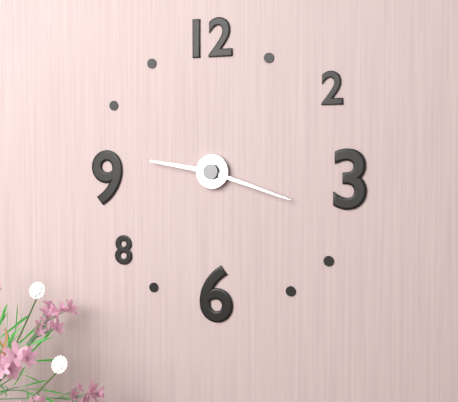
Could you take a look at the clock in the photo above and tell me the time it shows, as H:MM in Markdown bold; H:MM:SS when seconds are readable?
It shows **9:18**
